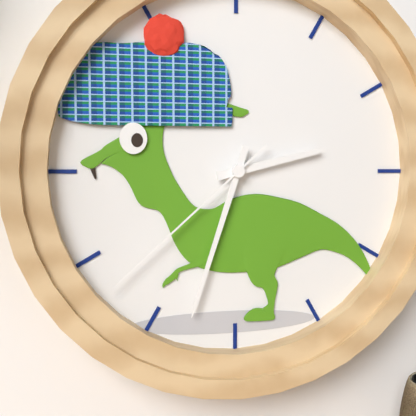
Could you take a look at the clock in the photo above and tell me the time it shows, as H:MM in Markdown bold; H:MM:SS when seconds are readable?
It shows **2:33:38**
